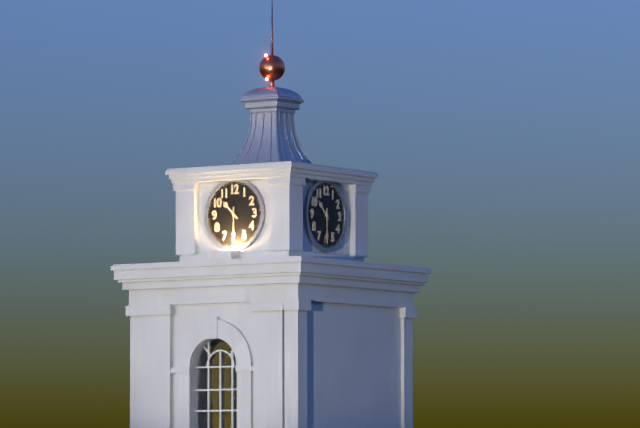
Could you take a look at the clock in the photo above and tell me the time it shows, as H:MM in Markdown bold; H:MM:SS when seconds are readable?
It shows **10:30**
